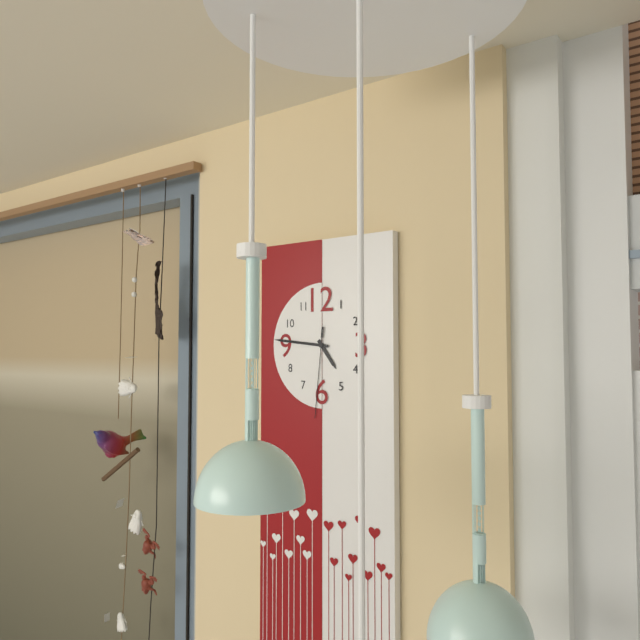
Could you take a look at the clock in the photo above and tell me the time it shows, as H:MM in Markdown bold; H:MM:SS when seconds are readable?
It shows **4:46:31**
